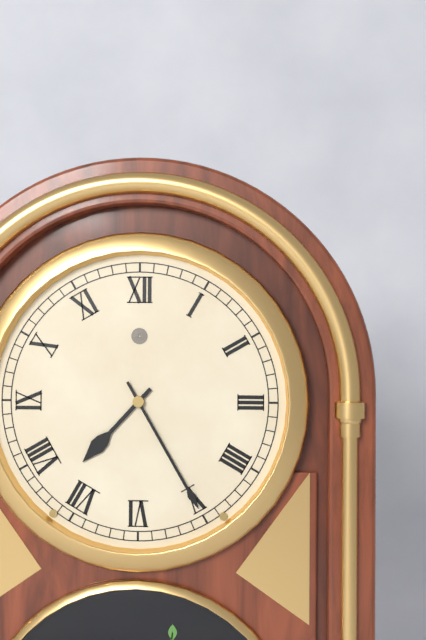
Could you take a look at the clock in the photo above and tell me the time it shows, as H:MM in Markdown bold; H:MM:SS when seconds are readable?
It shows **7:25**
